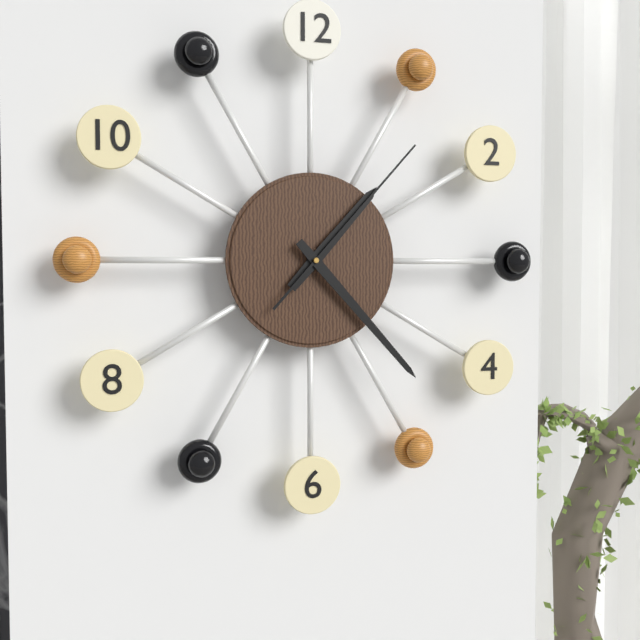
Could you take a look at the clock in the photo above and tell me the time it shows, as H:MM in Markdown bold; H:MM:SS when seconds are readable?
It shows **1:23:07**
